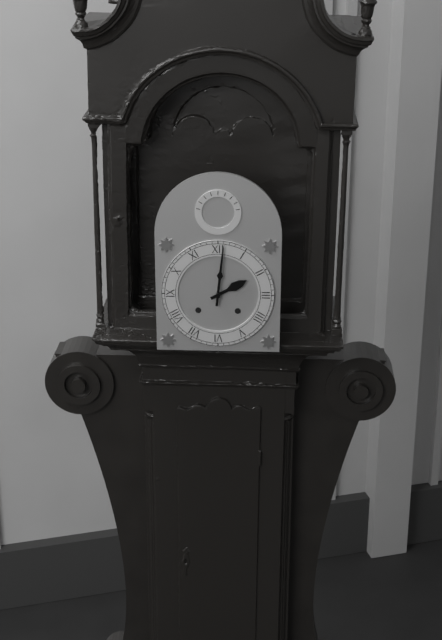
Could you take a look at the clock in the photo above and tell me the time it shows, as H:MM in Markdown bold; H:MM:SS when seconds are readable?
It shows **2:01**
